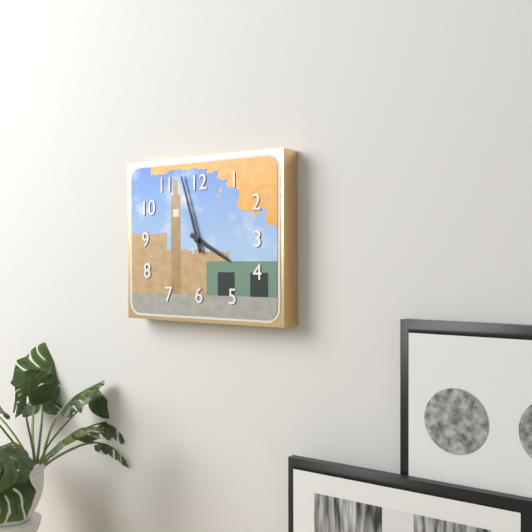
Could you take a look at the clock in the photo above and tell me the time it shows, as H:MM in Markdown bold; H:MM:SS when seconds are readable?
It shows **3:57**
